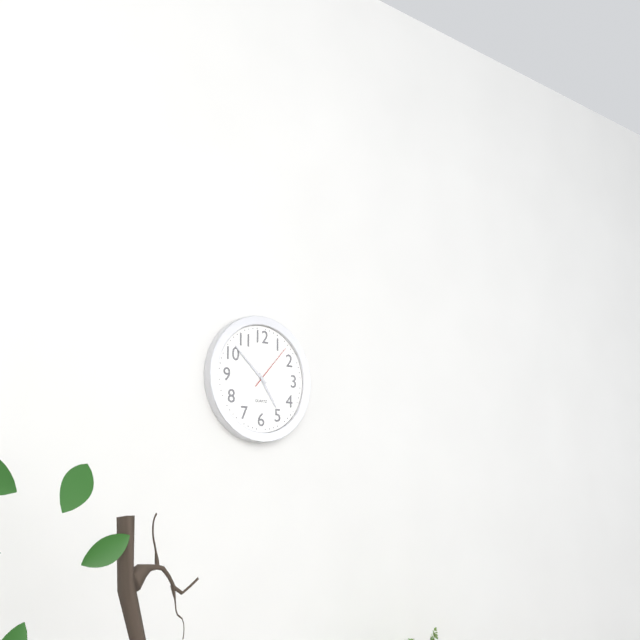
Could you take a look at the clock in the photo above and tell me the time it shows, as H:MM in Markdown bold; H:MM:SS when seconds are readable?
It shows **4:52**
